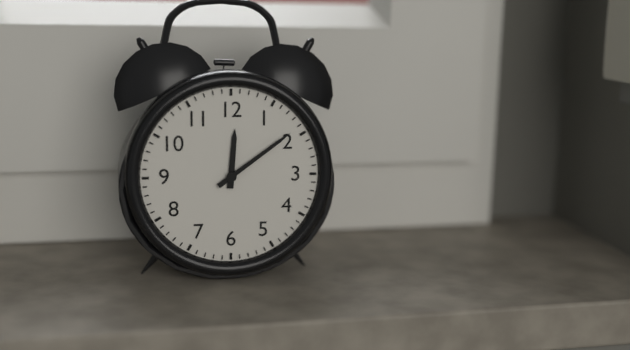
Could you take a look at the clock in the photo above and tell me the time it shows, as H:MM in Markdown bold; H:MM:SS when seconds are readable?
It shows **12:09**
